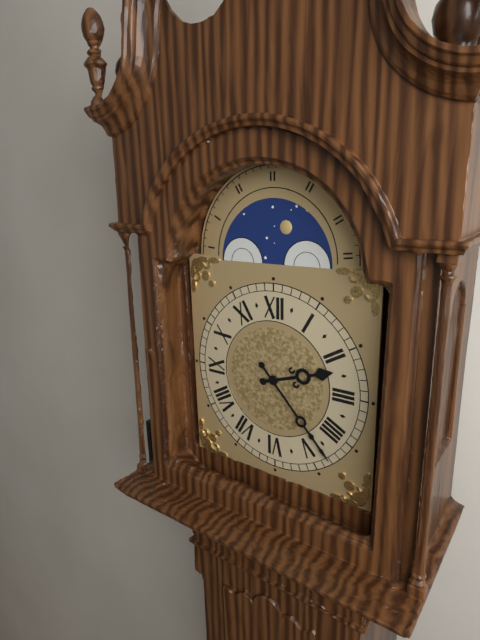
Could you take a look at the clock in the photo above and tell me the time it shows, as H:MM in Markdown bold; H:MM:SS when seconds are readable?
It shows **2:23**
